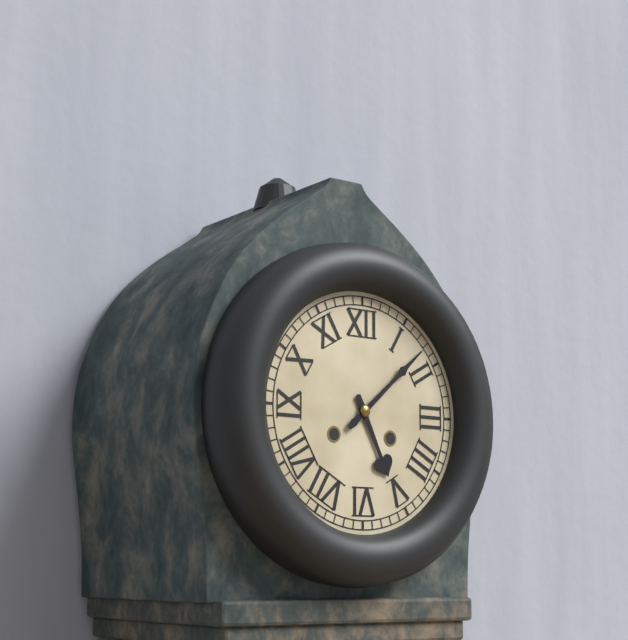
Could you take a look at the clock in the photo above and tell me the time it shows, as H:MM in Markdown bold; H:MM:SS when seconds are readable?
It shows **5:08**
